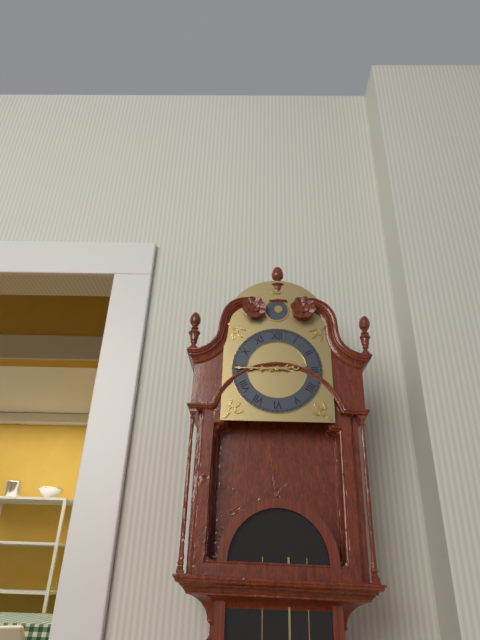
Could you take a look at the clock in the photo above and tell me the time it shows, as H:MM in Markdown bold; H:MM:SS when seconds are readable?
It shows **2:45**
